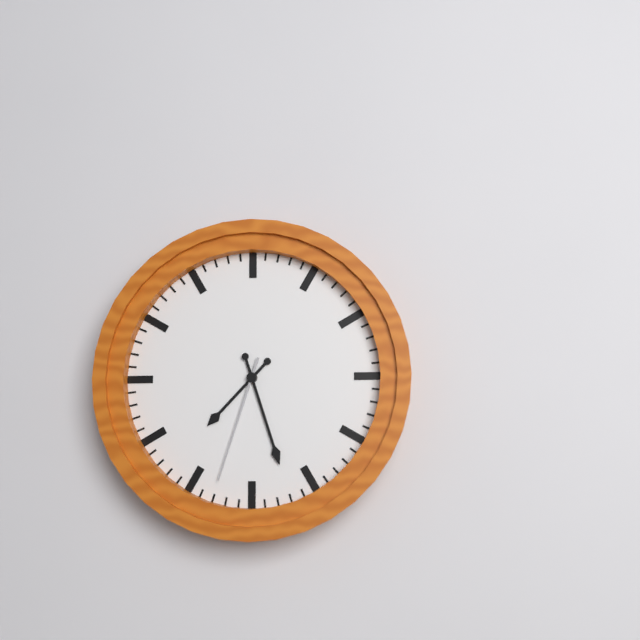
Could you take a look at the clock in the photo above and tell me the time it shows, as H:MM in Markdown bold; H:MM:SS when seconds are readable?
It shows **7:27:33**
